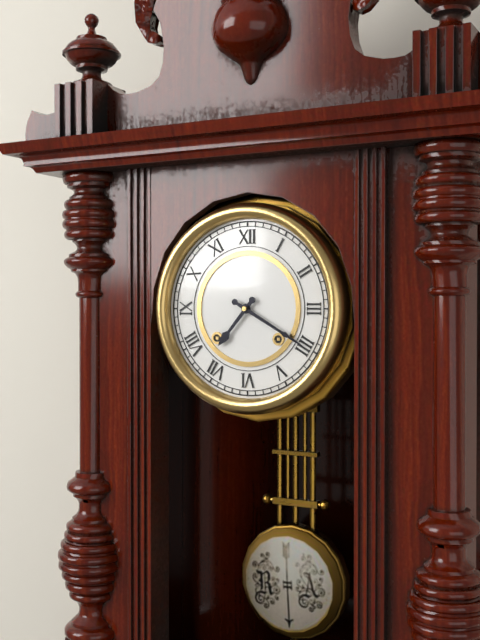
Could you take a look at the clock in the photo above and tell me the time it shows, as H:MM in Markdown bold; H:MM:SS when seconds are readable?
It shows **7:20**
